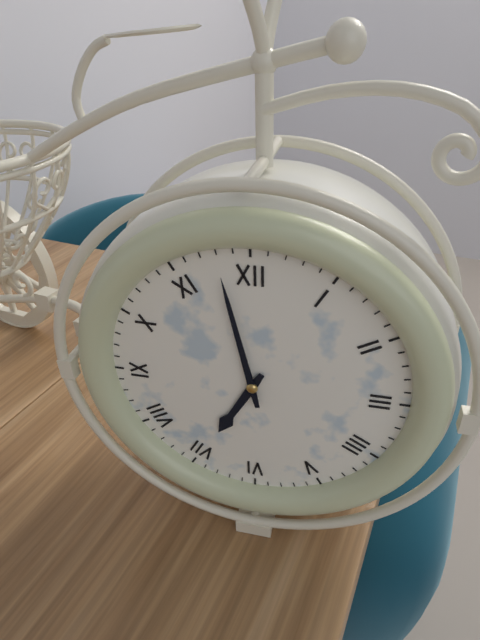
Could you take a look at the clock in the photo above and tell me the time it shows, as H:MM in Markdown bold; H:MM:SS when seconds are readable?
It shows **6:58**
